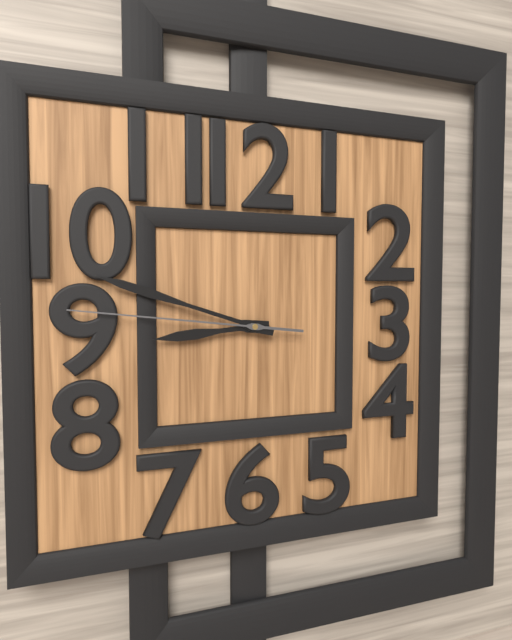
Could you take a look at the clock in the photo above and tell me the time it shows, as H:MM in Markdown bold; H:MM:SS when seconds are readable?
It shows **8:48:46**
